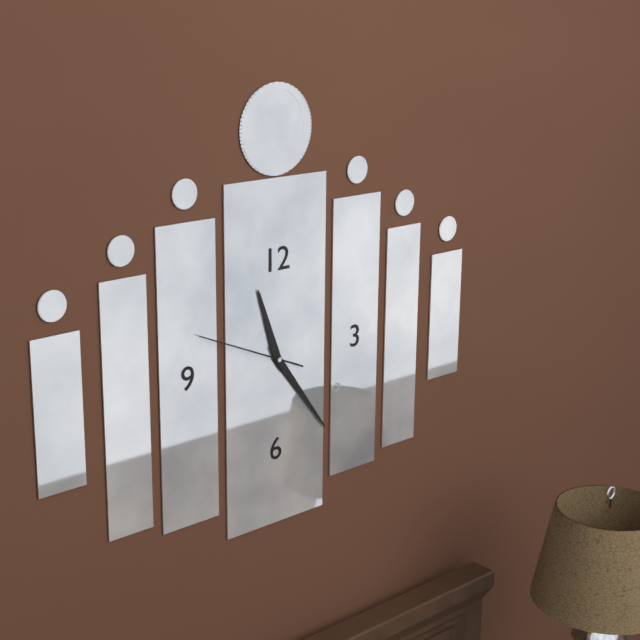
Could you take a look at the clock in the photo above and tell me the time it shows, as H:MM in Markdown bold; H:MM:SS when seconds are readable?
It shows **11:24:49**
